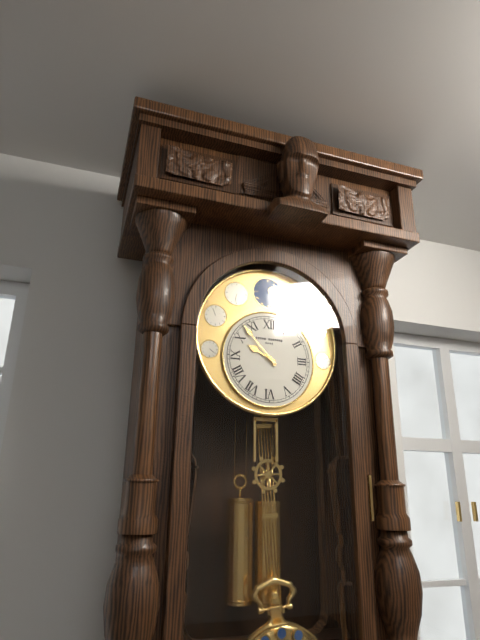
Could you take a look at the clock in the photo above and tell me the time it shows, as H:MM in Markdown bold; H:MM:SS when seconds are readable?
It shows **9:53**
